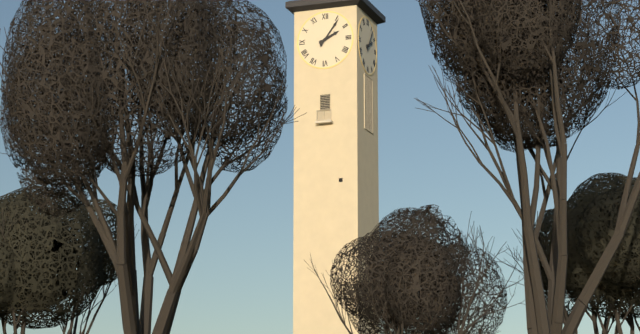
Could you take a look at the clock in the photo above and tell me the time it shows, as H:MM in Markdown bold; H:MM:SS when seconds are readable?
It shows **2:06**
